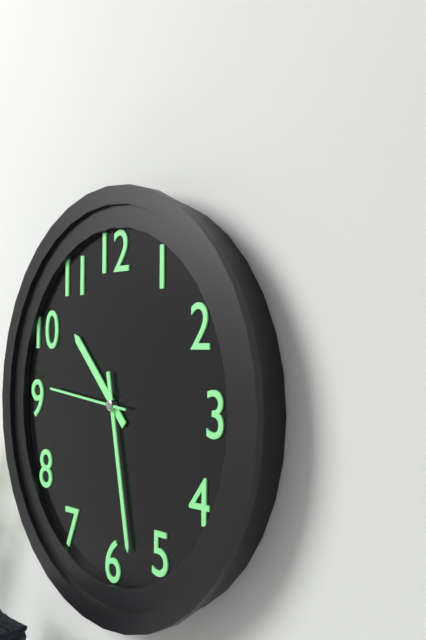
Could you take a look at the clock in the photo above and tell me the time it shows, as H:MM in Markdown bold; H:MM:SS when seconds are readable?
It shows **10:28:46**
